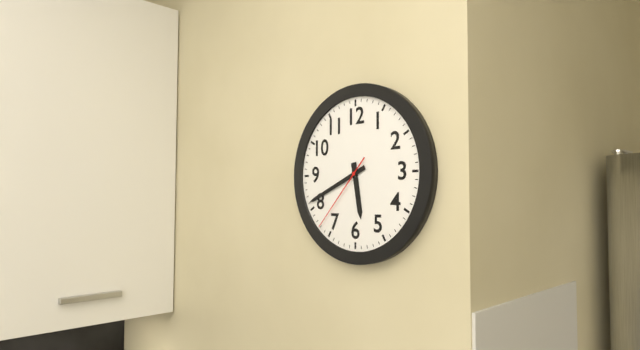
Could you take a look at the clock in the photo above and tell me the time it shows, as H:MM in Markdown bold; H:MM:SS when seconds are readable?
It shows **5:41:37**
